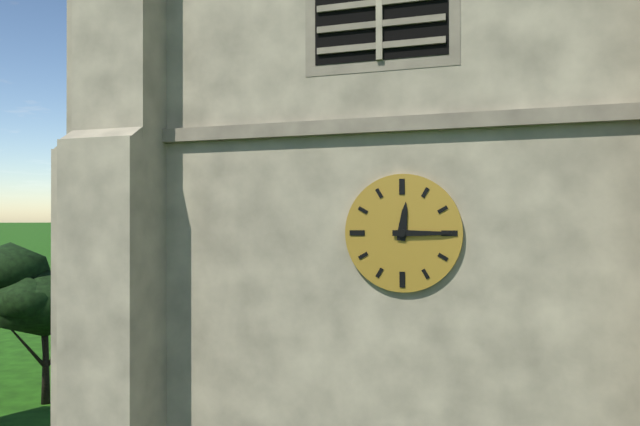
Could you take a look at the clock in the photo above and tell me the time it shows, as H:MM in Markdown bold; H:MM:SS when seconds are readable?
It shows **12:15**
